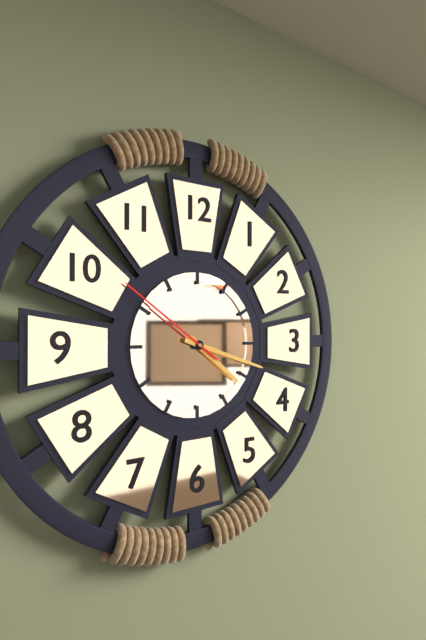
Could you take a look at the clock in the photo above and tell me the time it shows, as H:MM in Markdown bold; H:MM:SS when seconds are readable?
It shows **4:18:51**
